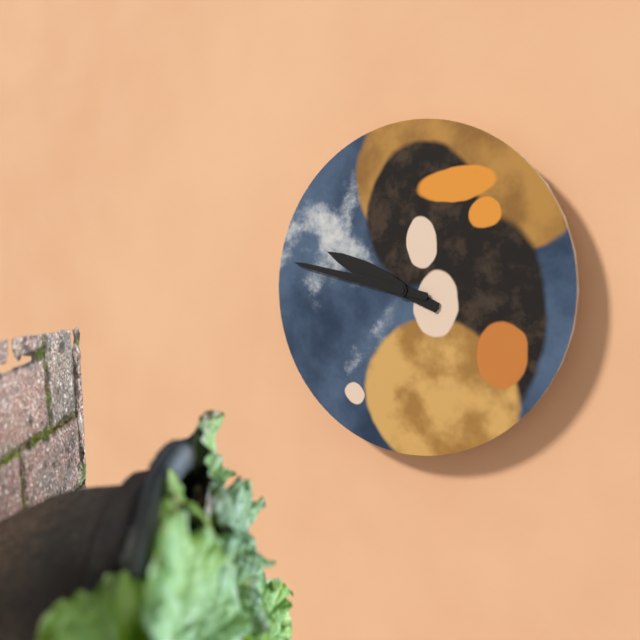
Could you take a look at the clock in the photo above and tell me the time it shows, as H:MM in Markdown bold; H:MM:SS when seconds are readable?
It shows **9:47**
